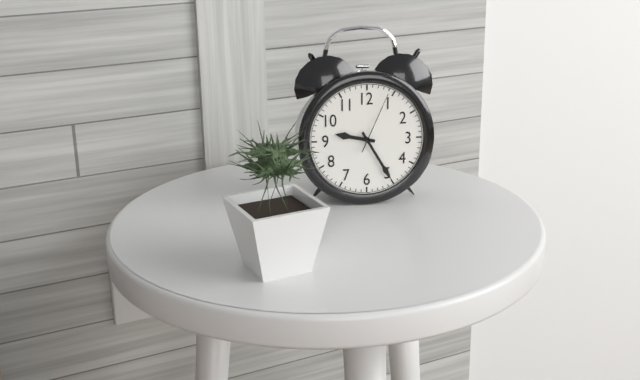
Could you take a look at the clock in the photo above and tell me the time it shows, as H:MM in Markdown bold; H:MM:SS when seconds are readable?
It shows **9:25:04**
